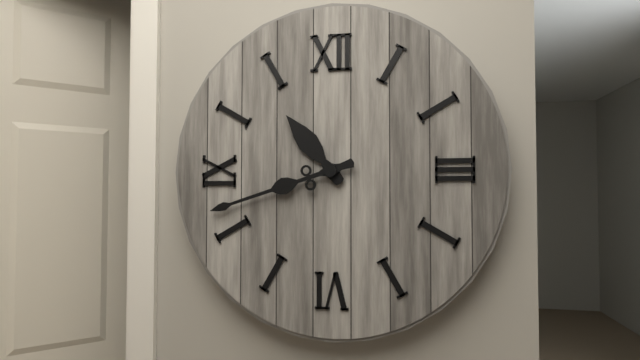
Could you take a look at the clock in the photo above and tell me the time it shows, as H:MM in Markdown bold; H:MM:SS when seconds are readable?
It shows **10:42**
